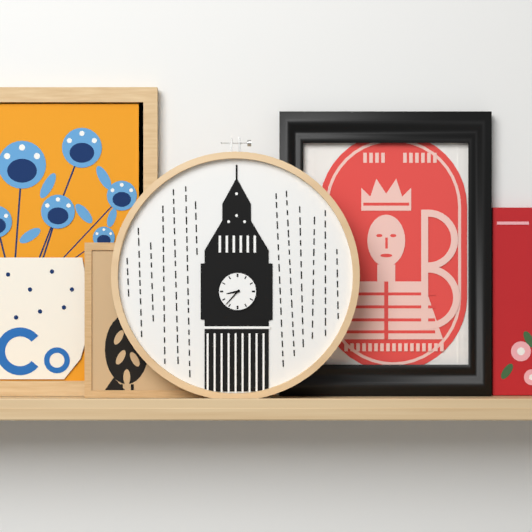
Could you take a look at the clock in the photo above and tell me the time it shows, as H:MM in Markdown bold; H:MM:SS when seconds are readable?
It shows **8:37**
